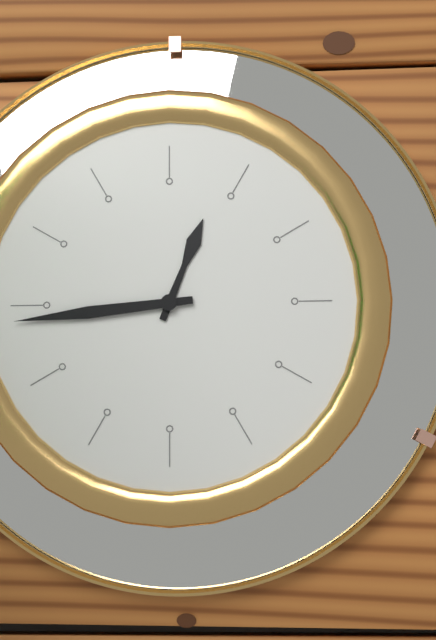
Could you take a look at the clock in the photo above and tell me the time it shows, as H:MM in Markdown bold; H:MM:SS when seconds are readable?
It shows **12:44**
